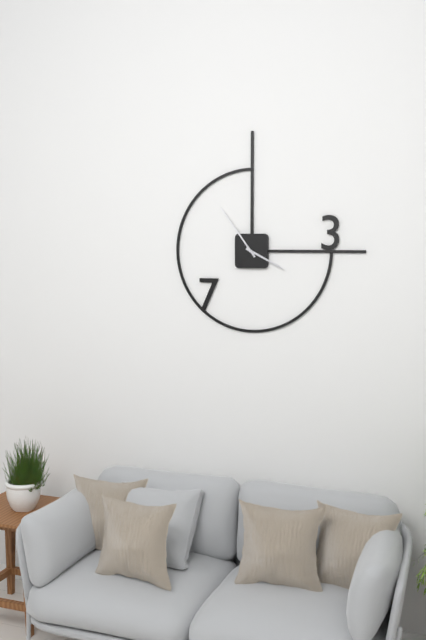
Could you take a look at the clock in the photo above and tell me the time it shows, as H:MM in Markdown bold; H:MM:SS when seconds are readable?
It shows **3:54**
